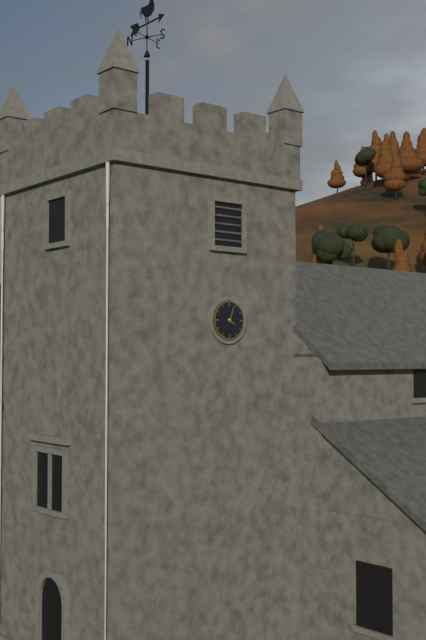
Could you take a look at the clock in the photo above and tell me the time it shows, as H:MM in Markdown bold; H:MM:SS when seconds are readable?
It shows **4:03**
